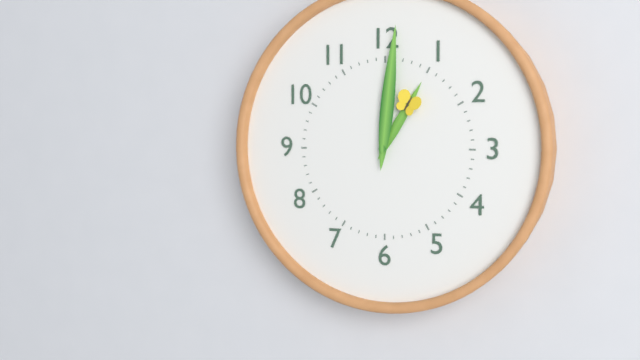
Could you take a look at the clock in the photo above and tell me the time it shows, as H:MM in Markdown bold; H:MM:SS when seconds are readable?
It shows **1:01**
